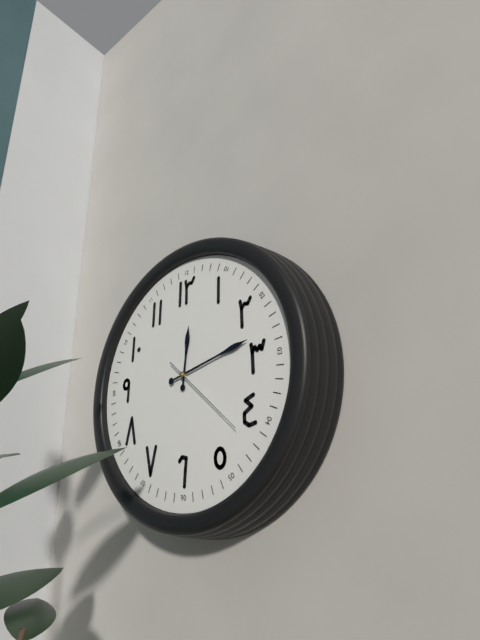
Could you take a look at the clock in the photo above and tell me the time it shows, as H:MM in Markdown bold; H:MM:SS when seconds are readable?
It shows **12:13:22**
